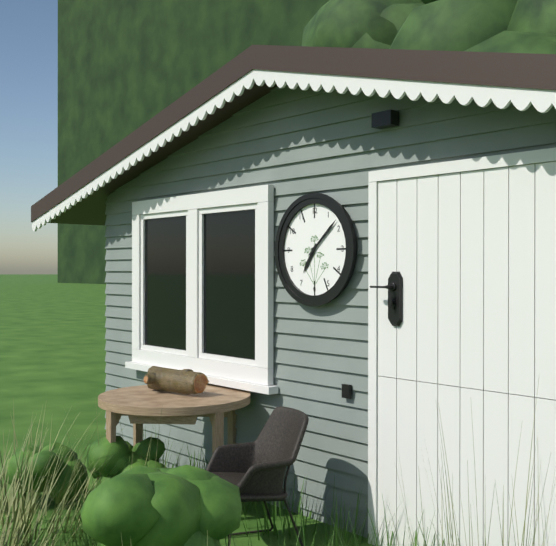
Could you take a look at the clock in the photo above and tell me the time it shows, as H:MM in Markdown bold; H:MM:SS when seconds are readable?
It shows **7:08**
